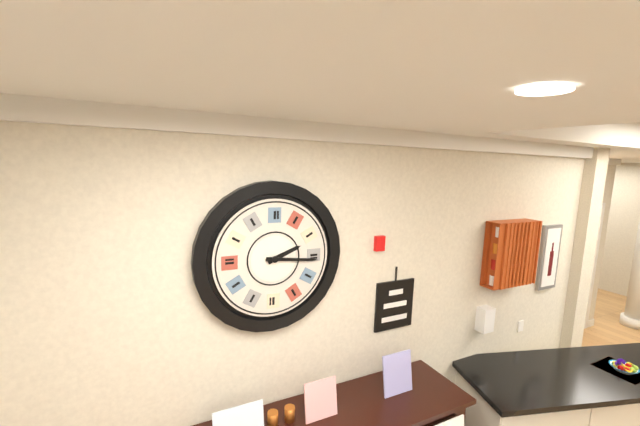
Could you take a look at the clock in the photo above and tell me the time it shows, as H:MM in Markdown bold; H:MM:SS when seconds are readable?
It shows **2:16**
